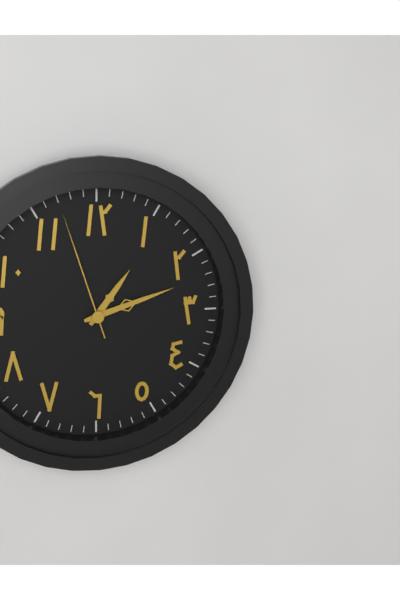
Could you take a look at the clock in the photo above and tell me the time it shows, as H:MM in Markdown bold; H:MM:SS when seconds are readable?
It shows **1:12:57**
